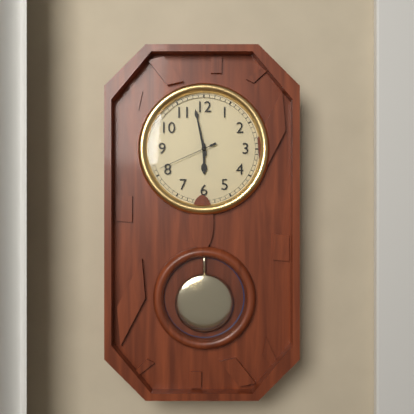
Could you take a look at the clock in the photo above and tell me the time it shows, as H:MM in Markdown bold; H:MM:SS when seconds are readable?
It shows **5:58:41**
